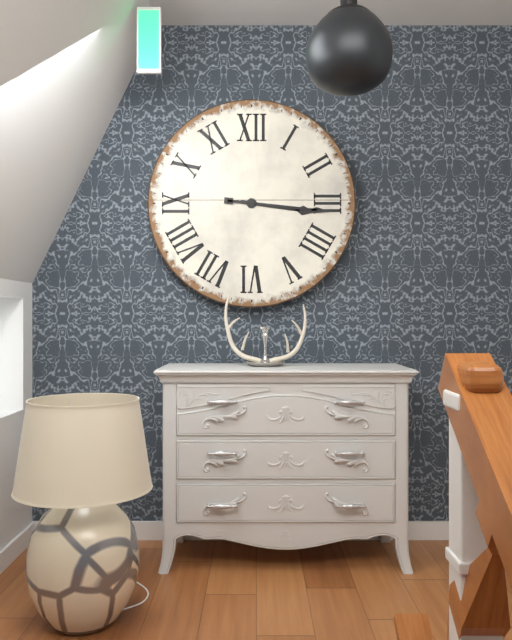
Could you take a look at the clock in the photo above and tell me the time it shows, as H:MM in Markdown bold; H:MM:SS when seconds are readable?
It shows **3:16**
